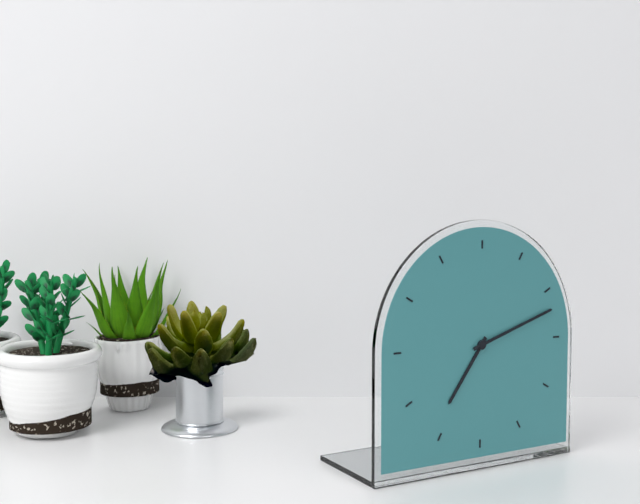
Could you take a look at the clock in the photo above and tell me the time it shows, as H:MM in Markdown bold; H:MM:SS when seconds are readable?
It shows **7:12**
